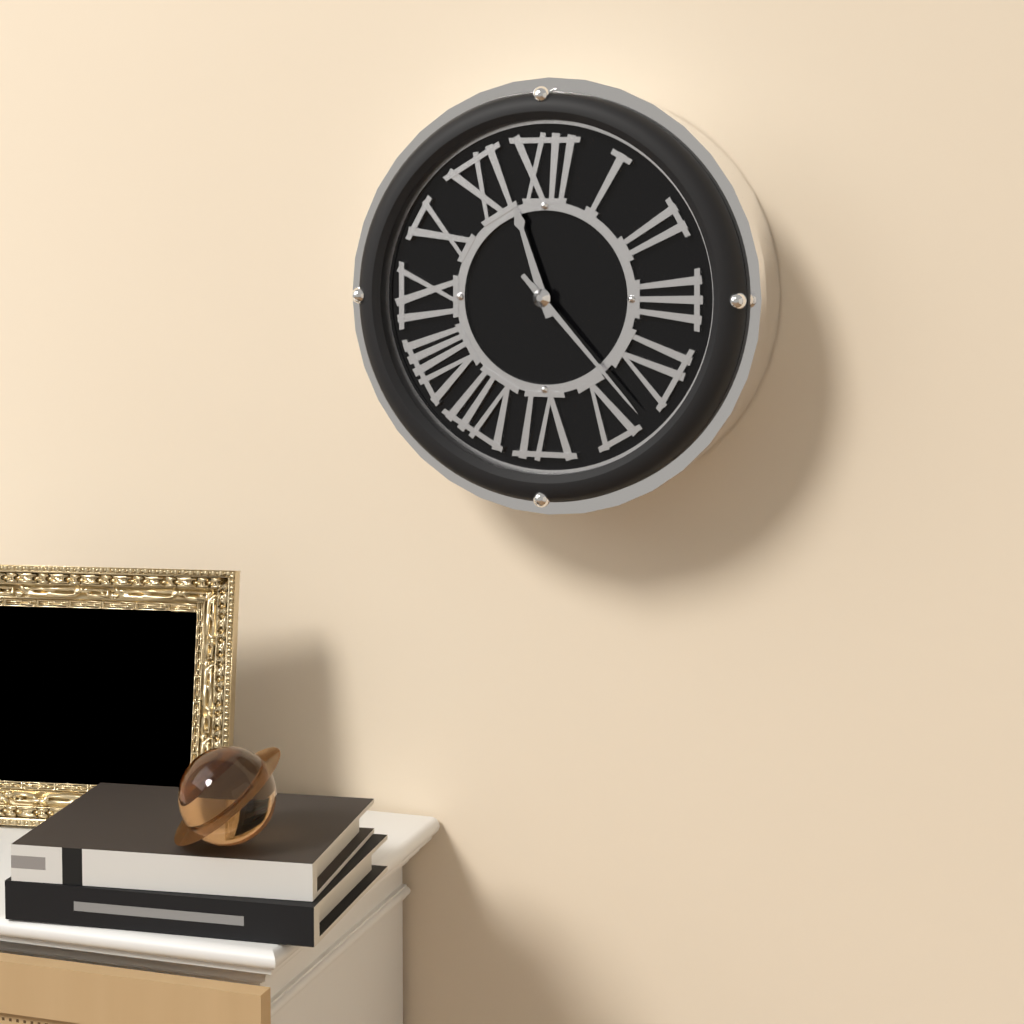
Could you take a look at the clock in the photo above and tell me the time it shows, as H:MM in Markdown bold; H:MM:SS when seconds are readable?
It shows **11:23**
